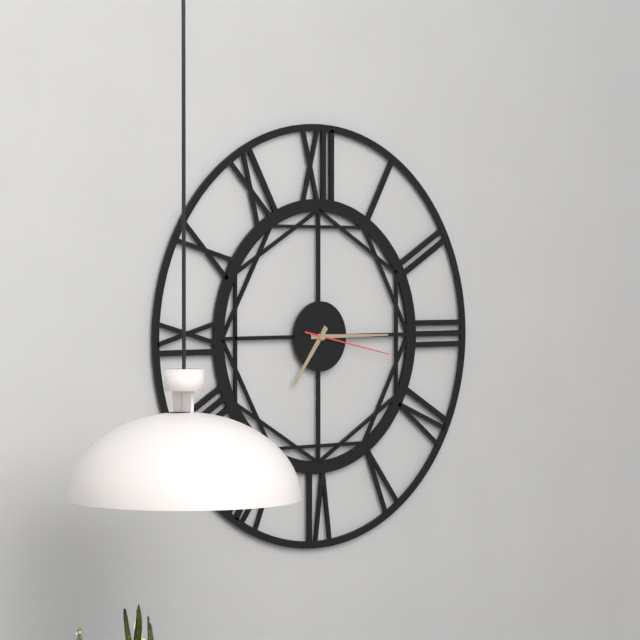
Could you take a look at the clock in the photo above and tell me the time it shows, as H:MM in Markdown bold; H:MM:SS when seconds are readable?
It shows **7:15:17**
